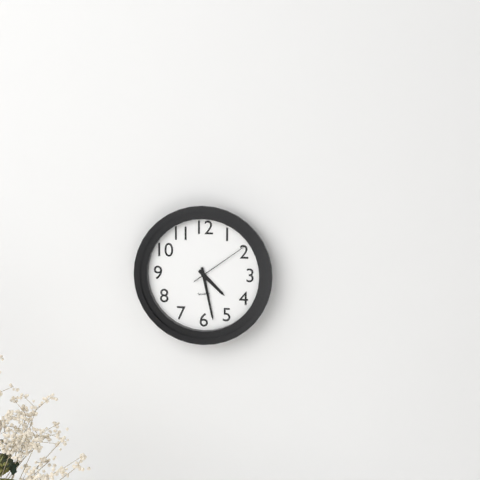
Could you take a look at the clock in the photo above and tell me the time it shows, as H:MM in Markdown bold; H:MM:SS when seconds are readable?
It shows **4:28:09**
